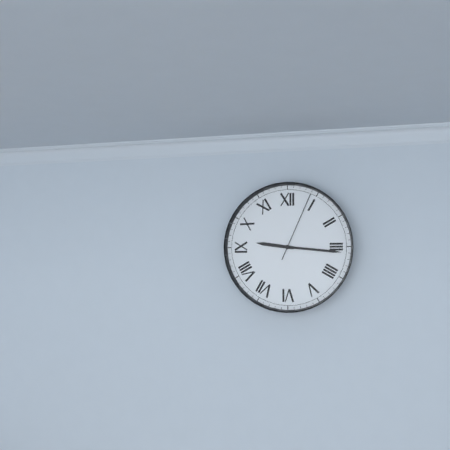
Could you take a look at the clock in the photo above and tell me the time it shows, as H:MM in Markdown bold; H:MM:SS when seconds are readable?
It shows **9:16:04**
